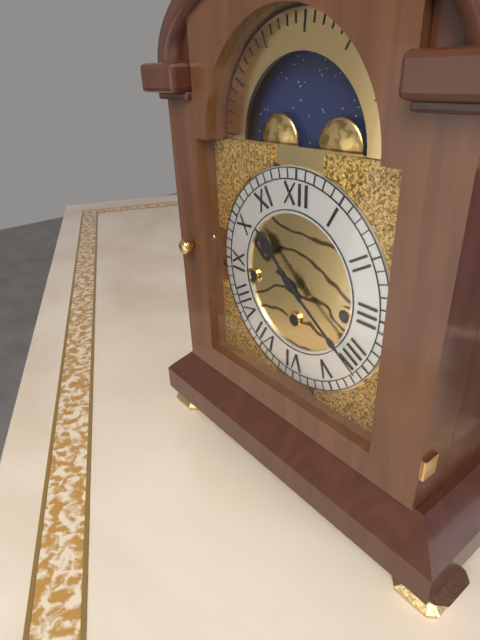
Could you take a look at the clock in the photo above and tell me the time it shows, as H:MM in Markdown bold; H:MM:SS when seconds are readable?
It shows **10:21**
